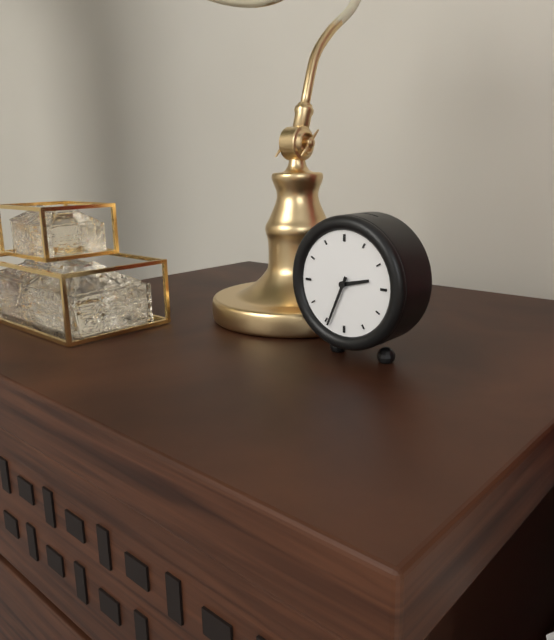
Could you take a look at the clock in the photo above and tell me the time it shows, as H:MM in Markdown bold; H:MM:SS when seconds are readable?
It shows **2:34**
